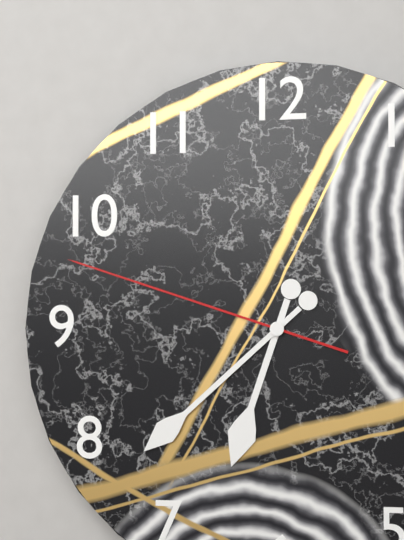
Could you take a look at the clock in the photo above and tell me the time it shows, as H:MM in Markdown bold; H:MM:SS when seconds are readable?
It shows **6:38:48**
